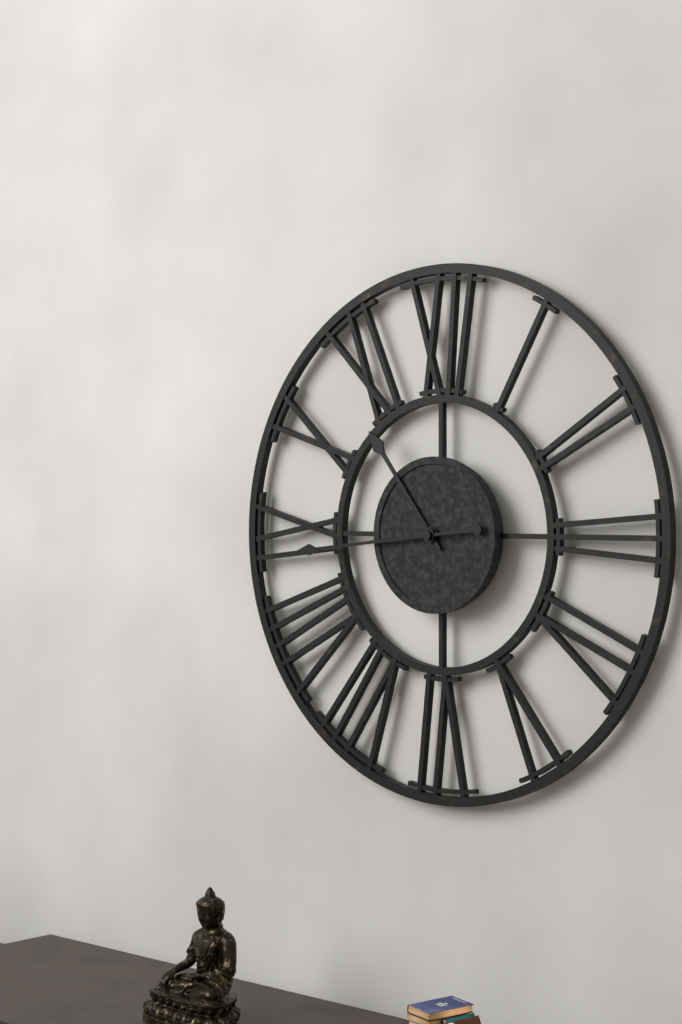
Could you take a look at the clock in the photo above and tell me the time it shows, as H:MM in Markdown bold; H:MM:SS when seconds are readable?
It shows **10:44**
